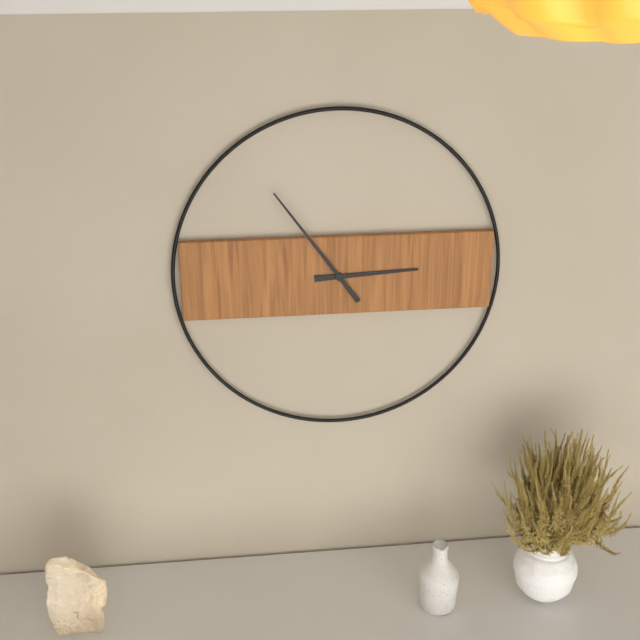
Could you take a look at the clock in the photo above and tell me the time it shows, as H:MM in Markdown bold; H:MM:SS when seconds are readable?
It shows **2:54**
